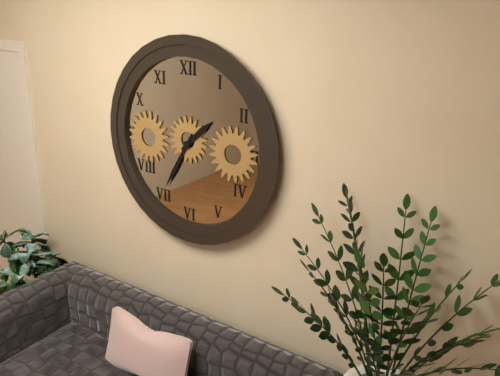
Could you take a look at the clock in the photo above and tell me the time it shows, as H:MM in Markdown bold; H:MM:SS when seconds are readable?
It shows **1:35**
